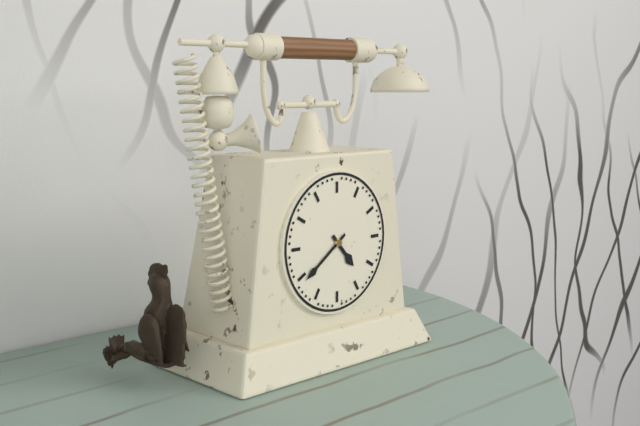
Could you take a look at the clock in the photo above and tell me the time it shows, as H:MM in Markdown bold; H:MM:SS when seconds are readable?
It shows **4:39**
